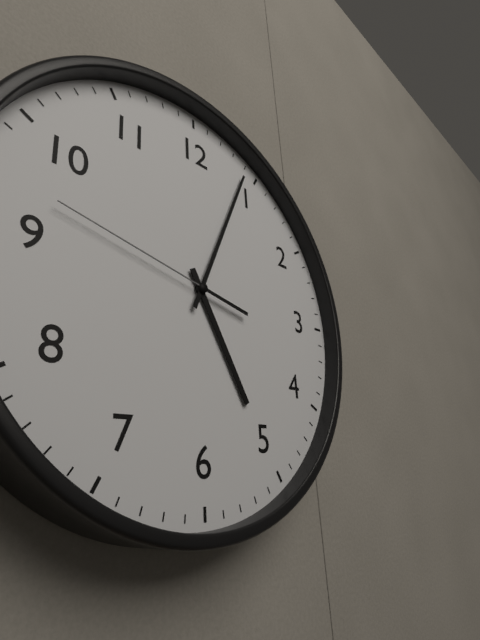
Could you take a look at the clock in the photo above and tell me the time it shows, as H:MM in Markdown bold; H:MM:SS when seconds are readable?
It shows **5:04:47**
